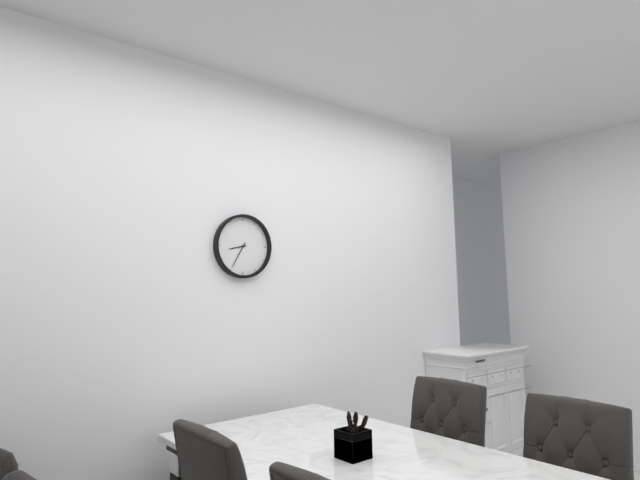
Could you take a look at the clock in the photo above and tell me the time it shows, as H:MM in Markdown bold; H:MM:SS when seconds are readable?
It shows **8:35**
